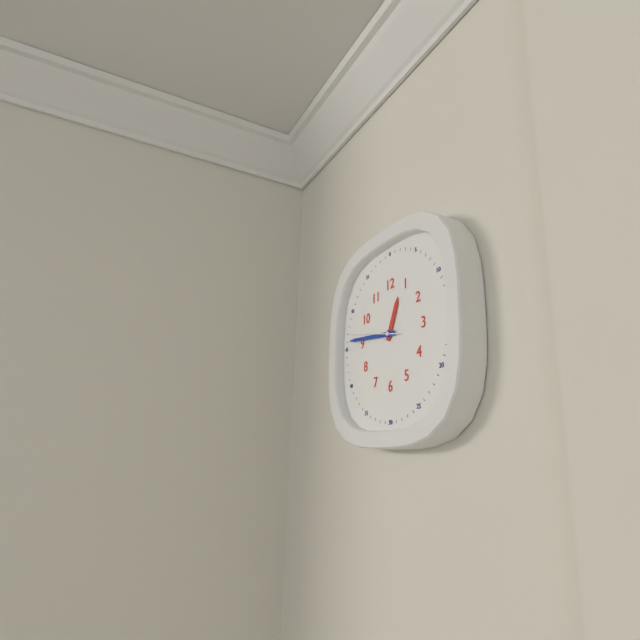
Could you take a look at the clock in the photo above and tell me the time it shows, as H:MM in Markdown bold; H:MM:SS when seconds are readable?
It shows **12:46:47**
